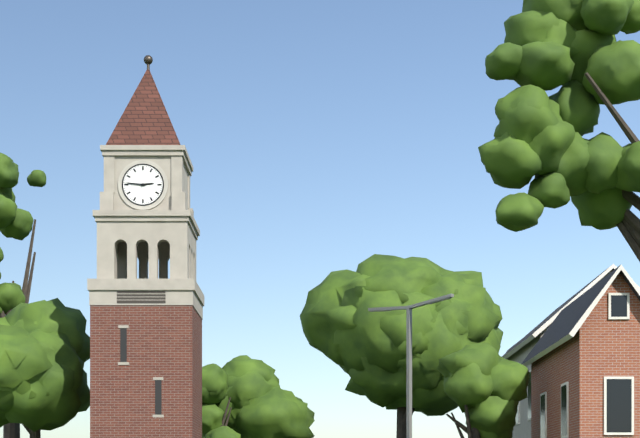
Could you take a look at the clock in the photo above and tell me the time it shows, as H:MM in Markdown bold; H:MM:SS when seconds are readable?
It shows **2:46**
